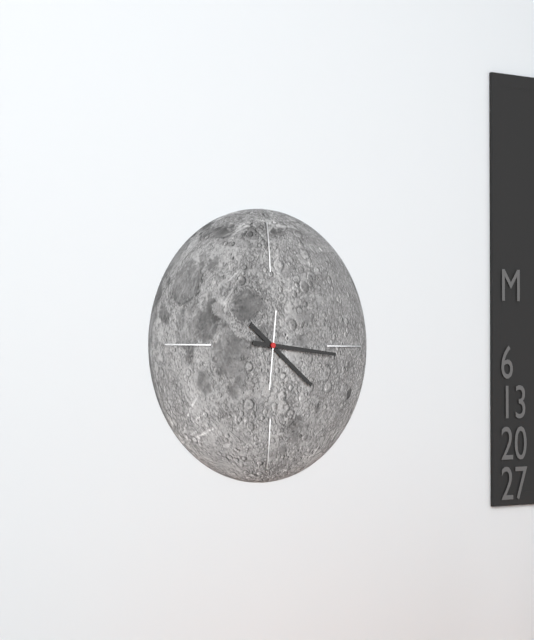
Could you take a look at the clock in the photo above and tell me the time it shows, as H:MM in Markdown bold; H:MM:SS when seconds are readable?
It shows **4:16:31**
